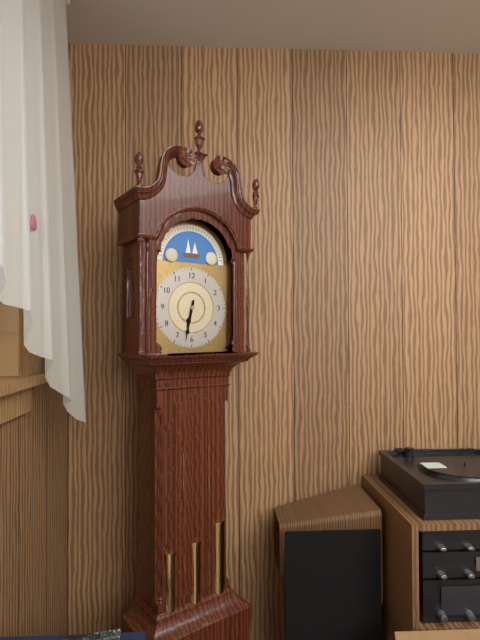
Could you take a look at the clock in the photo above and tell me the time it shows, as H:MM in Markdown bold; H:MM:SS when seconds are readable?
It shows **6:32**
